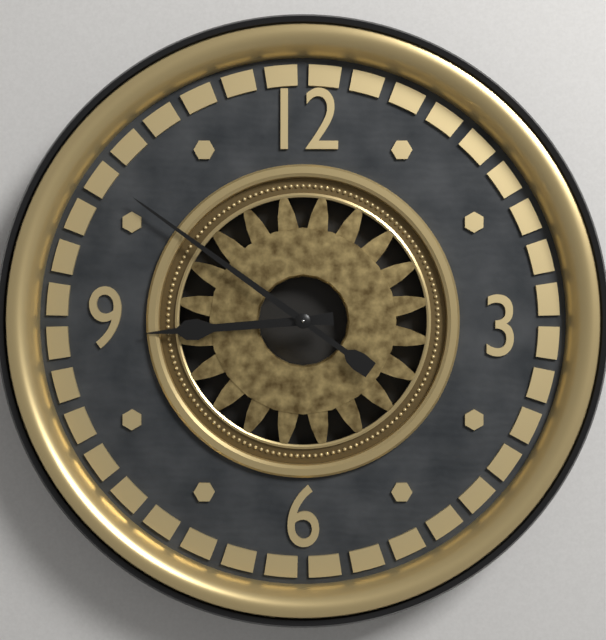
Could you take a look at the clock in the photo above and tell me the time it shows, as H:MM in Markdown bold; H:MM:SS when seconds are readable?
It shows **8:51**
